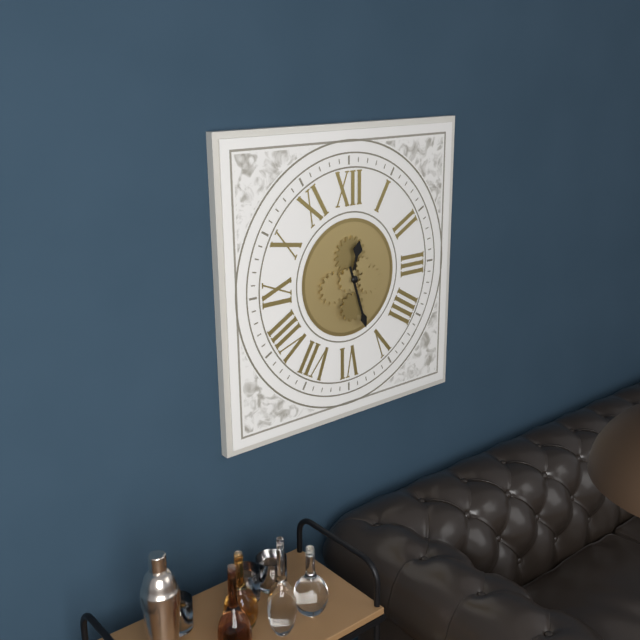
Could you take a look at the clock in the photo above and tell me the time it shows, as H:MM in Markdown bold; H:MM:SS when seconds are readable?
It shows **12:27**
